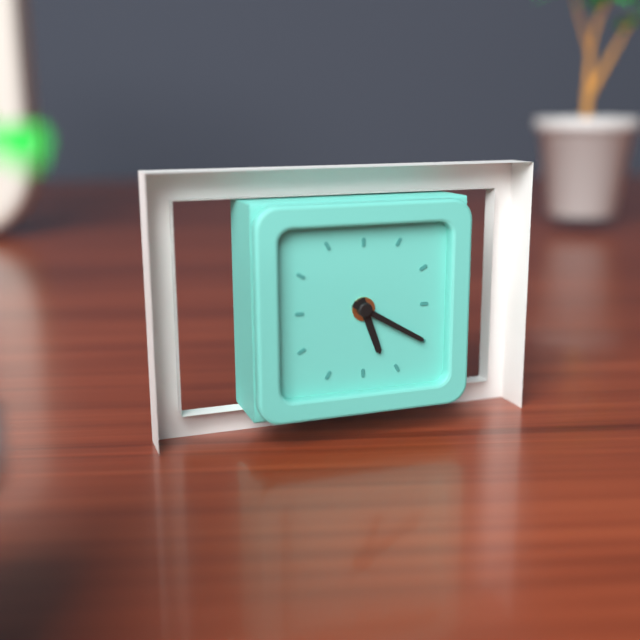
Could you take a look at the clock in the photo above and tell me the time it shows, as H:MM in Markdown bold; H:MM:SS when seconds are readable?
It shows **5:20**
